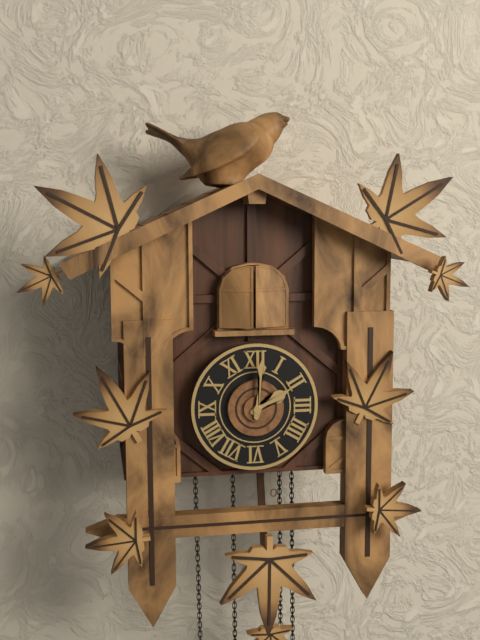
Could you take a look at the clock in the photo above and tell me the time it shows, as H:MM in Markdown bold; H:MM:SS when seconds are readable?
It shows **2:01**
